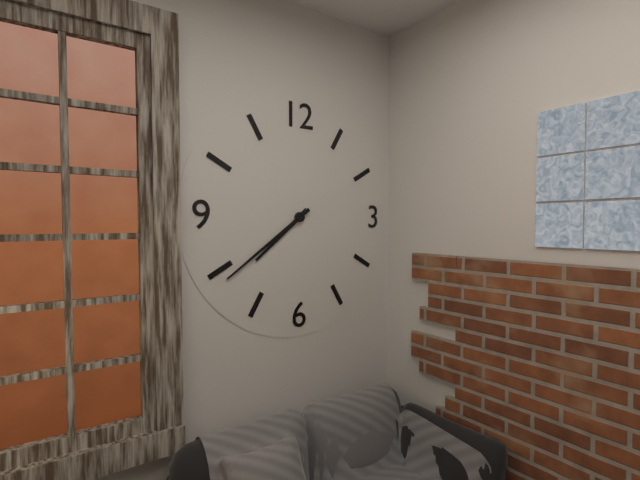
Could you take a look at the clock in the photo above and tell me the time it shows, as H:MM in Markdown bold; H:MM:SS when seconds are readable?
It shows **7:39**
